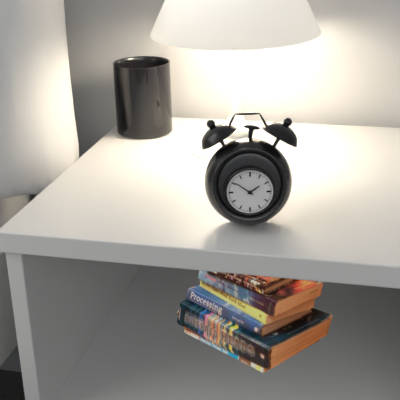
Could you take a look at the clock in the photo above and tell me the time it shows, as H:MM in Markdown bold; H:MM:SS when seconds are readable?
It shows **1:51**
